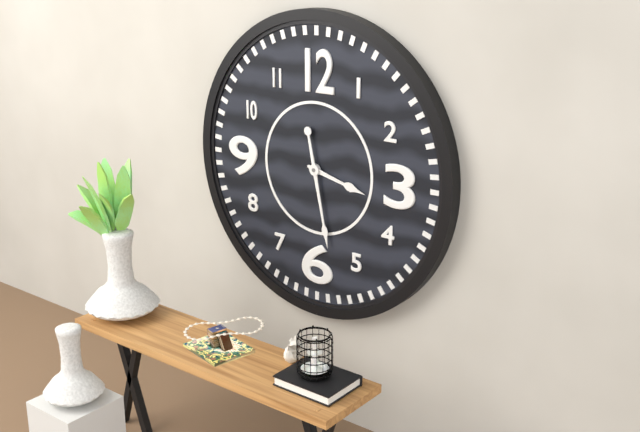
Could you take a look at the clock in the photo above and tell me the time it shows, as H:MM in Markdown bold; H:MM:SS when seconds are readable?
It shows **3:28**
